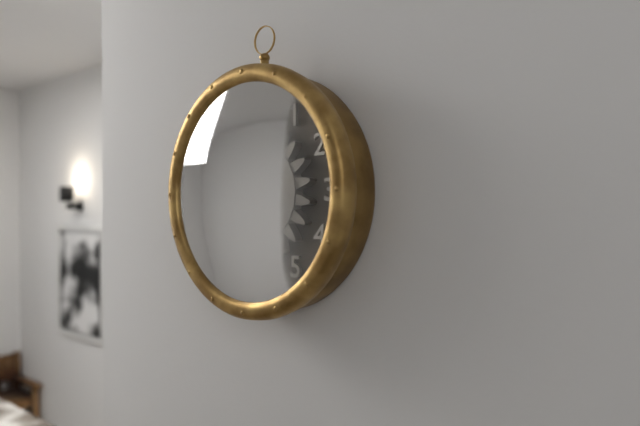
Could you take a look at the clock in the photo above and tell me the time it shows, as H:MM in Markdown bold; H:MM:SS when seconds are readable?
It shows **7:27**
